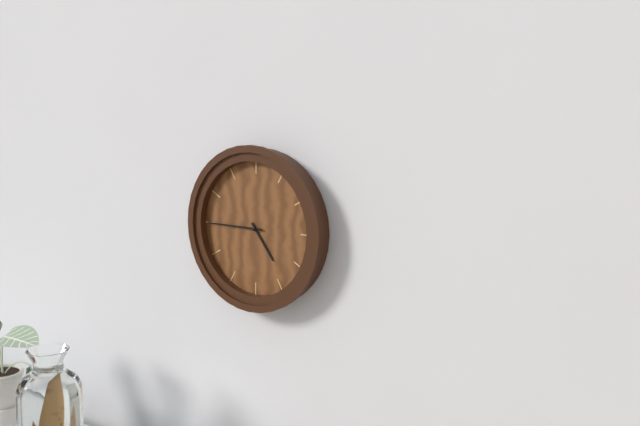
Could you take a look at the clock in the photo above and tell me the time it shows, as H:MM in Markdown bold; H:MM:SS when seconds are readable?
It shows **4:45**
